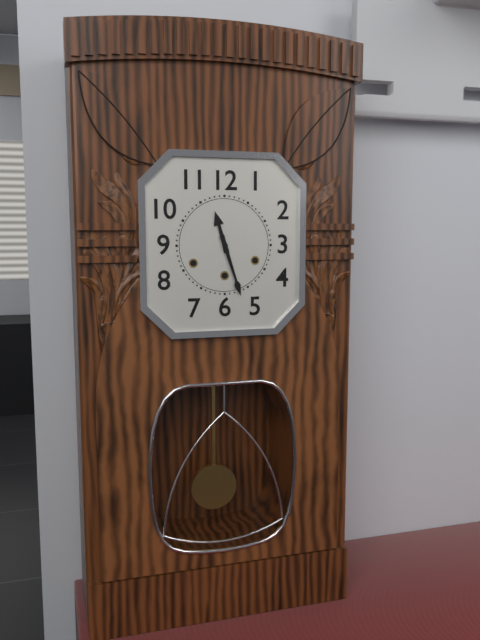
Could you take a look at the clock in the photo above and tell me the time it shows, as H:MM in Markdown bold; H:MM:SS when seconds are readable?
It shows **11:27**
